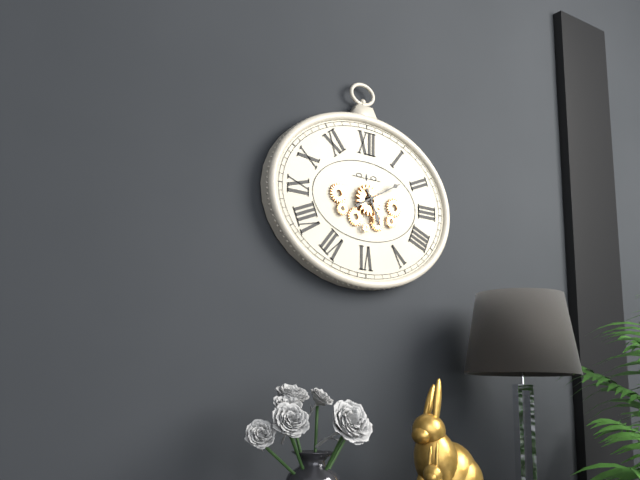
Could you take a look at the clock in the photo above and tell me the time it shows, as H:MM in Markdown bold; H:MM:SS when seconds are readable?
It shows **5:10**
